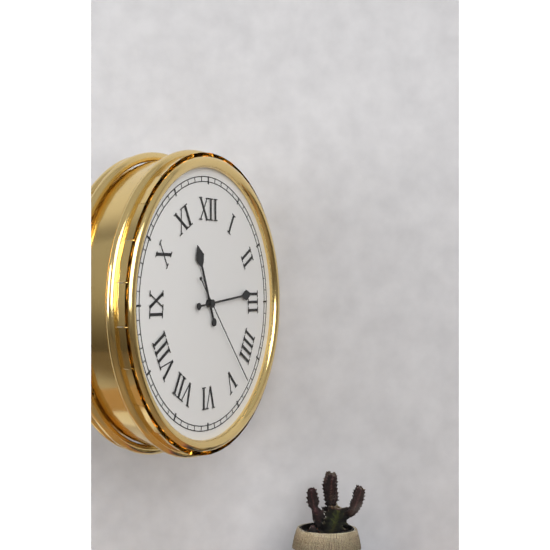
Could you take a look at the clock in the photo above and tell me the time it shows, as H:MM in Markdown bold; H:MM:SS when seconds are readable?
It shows **11:14:23**
